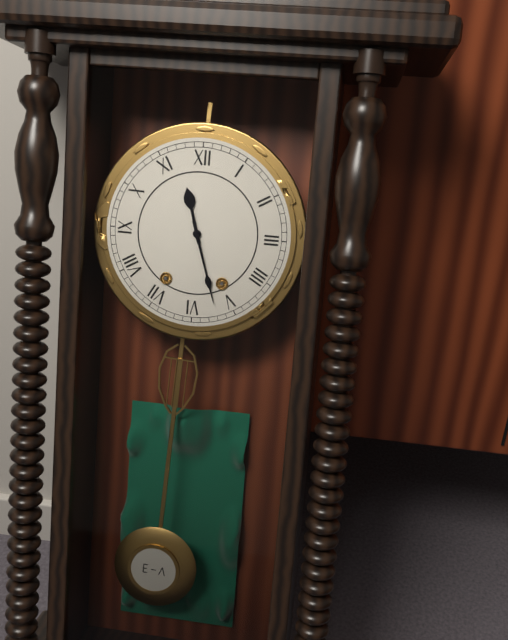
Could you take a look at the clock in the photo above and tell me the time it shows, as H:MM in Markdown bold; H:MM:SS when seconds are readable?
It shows **11:27**
